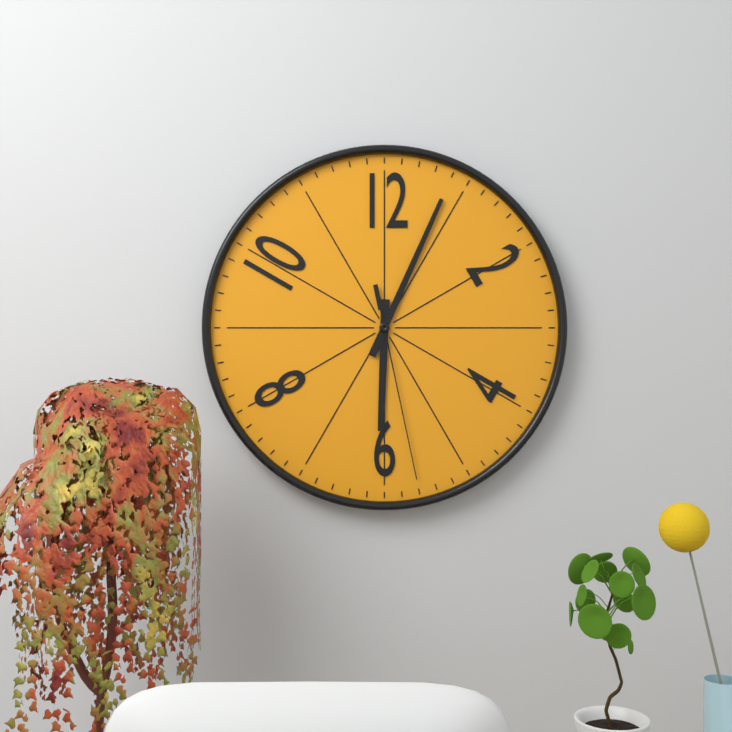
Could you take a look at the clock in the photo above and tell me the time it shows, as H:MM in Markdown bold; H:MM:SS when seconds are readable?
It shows **6:04:28**
